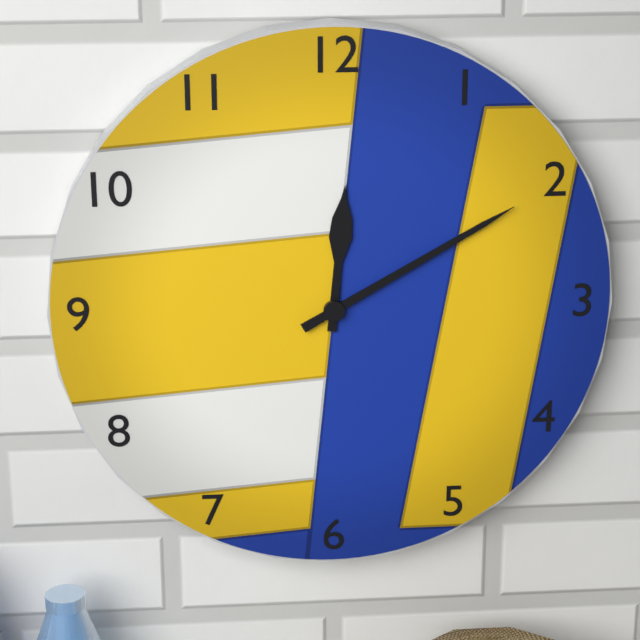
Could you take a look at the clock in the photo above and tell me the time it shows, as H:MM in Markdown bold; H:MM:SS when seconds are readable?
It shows **12:10**
